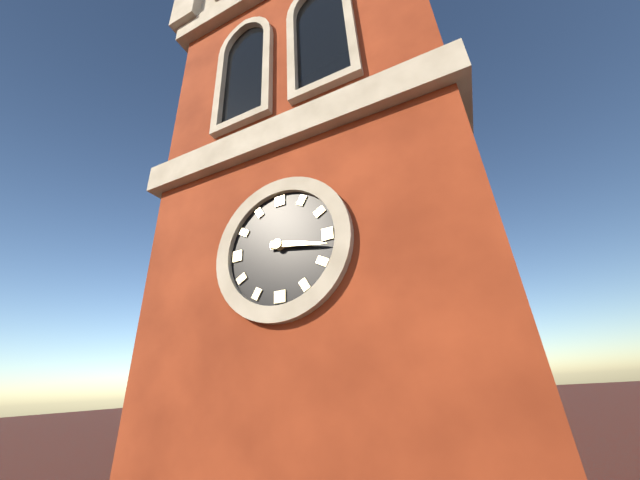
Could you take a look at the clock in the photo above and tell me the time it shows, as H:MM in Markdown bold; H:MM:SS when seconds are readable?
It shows **3:17**
